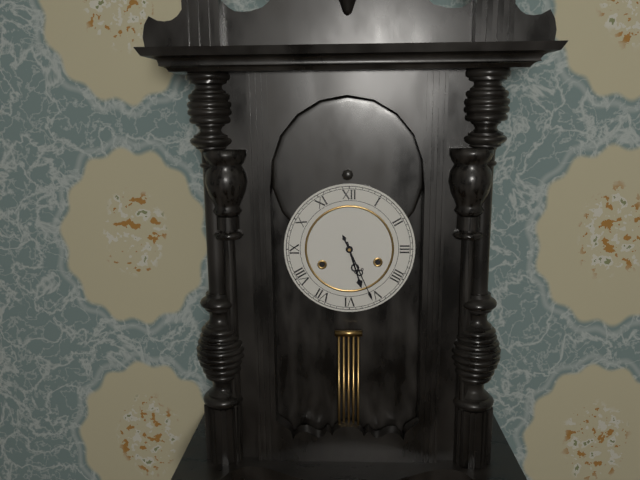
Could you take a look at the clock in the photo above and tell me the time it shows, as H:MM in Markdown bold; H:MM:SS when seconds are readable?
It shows **5:26**
